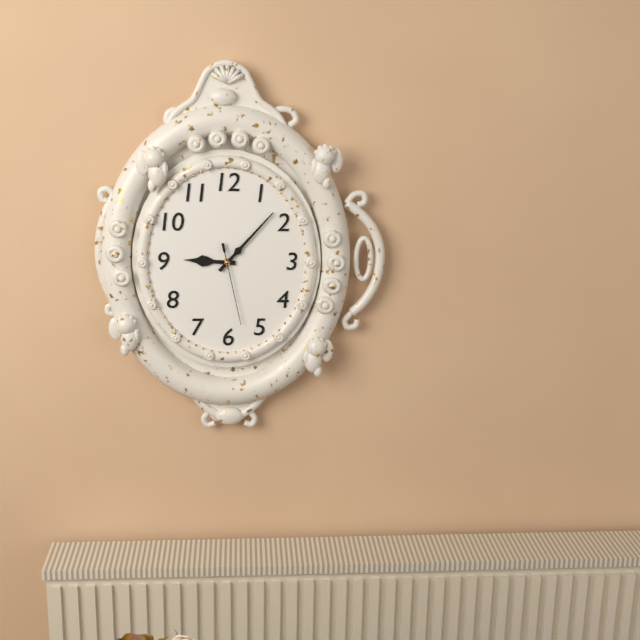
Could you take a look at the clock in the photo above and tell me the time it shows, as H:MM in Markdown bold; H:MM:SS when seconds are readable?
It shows **9:07:28**
